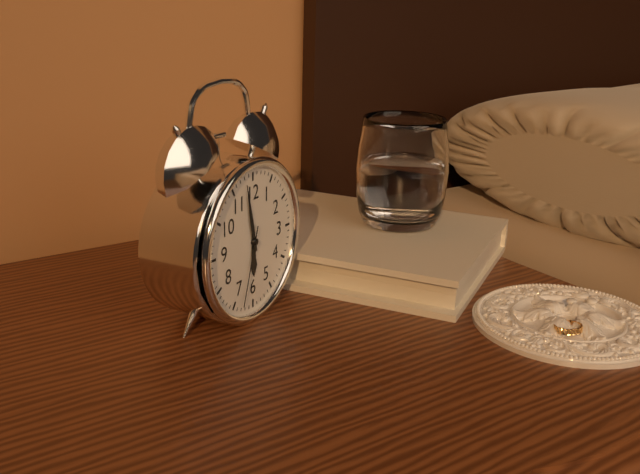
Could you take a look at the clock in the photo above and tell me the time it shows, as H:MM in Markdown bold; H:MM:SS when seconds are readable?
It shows **5:58:33**
